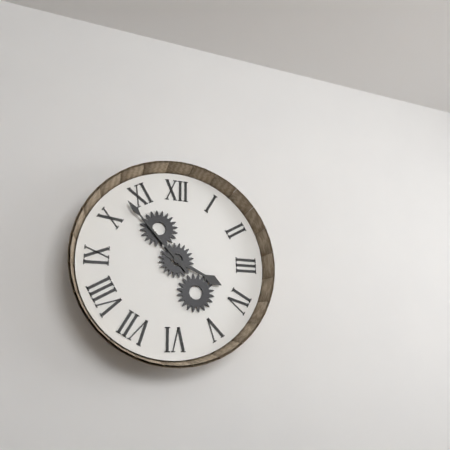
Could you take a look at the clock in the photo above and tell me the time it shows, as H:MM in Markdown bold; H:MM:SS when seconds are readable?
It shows **3:53**
